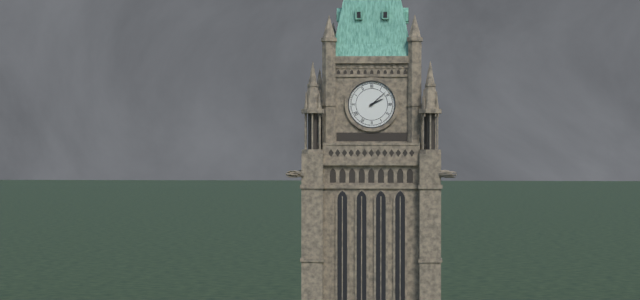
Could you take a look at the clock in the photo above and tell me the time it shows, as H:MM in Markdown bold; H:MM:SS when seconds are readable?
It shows **2:08**
